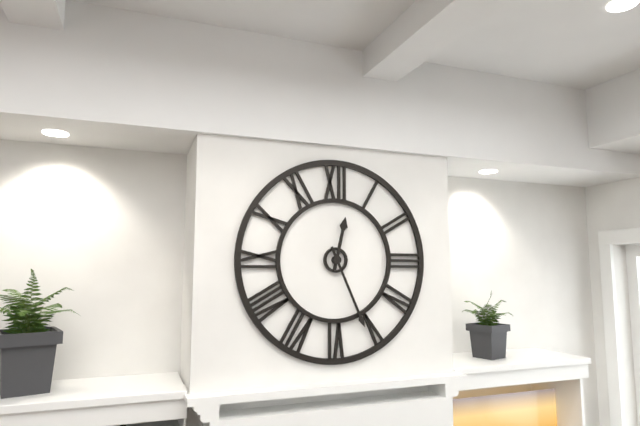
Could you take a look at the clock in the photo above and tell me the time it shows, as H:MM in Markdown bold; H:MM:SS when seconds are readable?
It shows **12:26**
